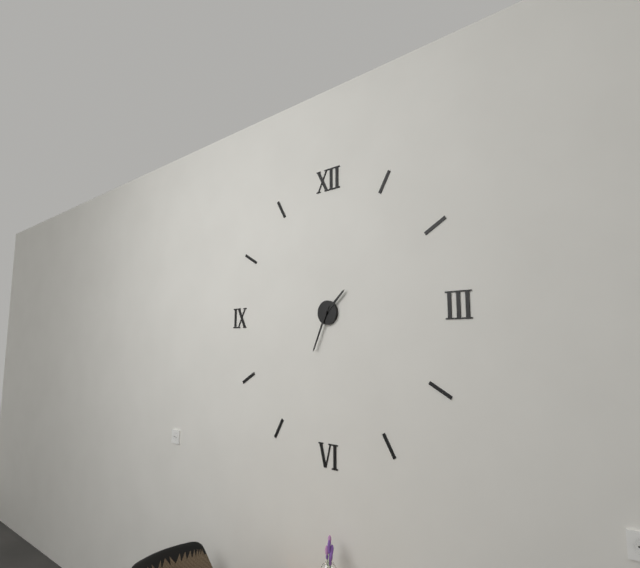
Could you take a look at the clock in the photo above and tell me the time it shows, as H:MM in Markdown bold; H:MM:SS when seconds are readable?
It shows **1:34**
